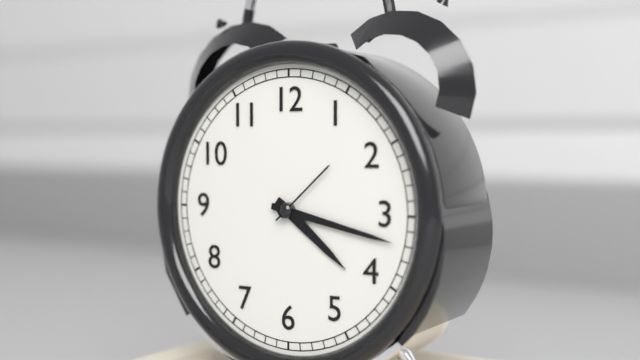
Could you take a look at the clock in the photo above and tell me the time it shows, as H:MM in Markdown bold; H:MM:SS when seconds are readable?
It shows **4:17:08**
